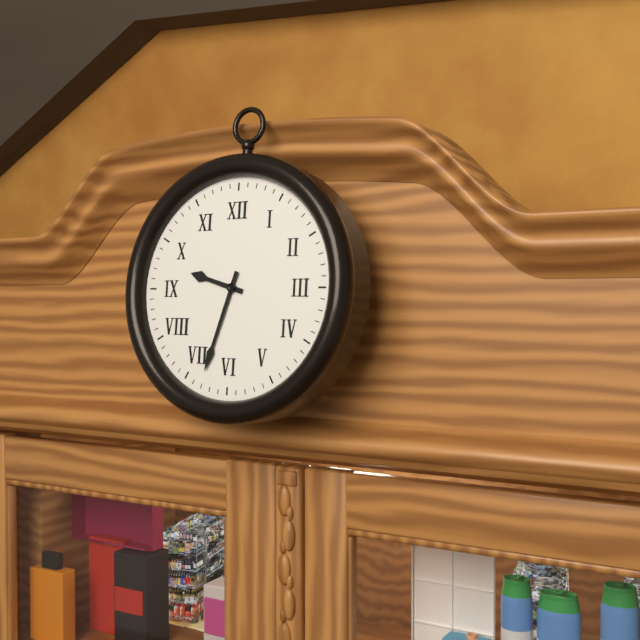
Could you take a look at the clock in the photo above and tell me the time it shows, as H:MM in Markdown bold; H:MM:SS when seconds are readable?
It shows **9:33**
